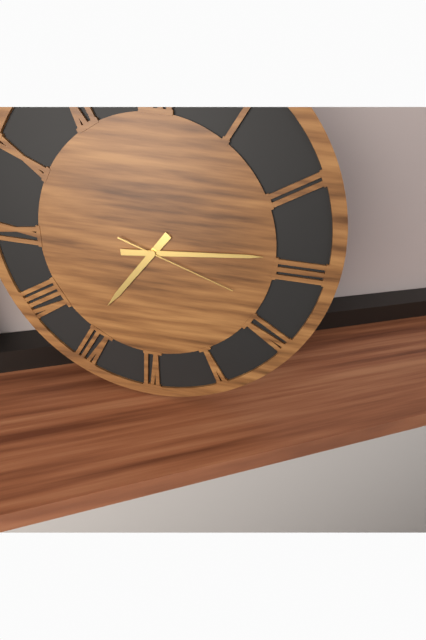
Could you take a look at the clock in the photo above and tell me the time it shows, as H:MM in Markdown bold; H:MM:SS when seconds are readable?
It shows **7:14:18**
